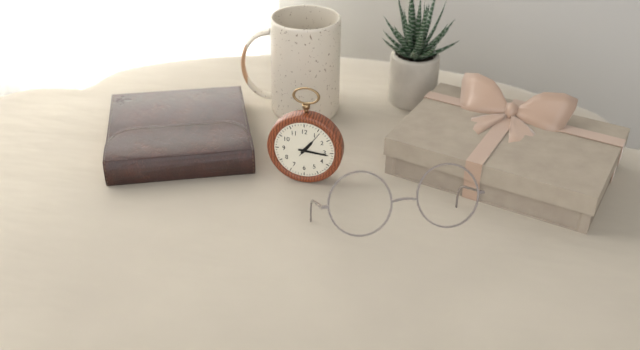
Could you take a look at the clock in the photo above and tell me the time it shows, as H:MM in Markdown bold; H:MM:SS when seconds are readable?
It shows **1:16**
